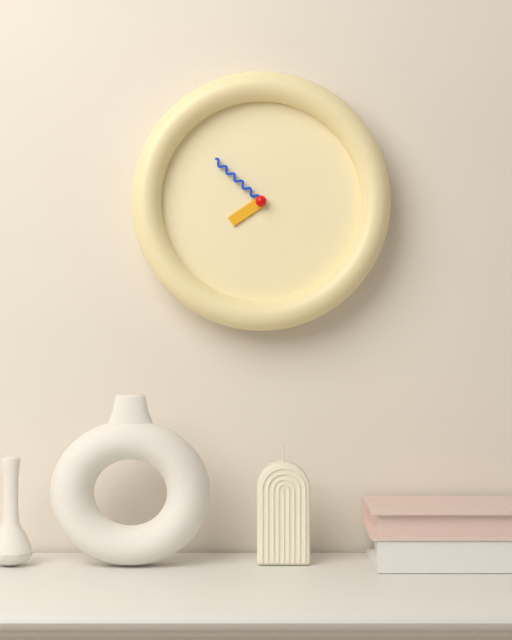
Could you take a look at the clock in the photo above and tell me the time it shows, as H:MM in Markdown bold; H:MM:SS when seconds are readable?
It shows **7:52**
